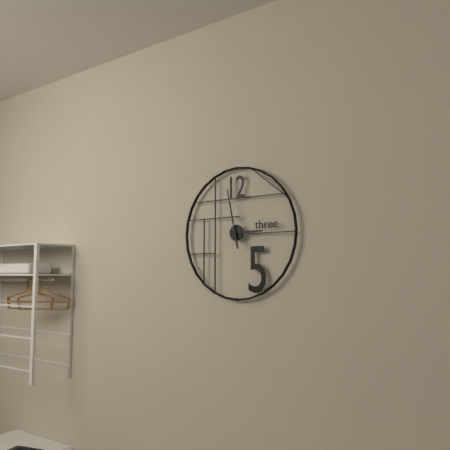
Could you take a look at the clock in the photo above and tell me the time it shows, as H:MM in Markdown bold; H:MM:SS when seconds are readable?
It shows **2:58**
